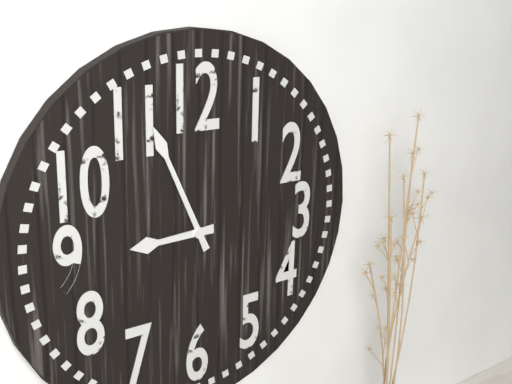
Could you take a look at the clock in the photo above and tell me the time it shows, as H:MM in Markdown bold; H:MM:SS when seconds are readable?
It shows **8:56**
